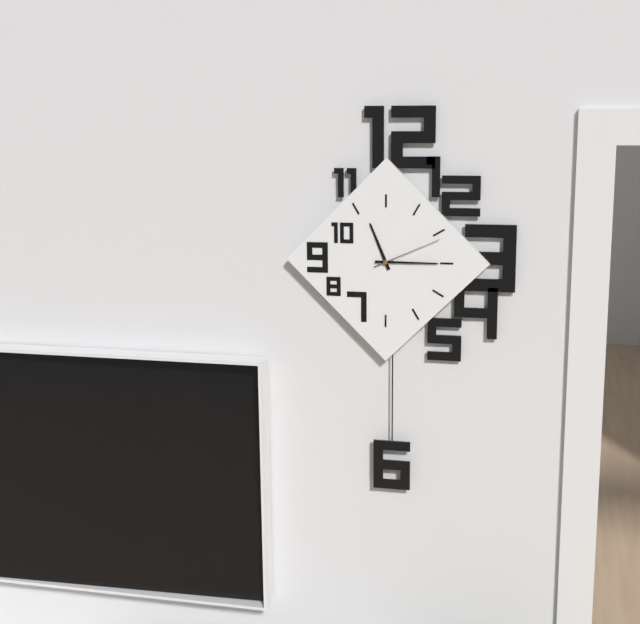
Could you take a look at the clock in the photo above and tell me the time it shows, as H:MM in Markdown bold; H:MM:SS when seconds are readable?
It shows **11:15:11**
